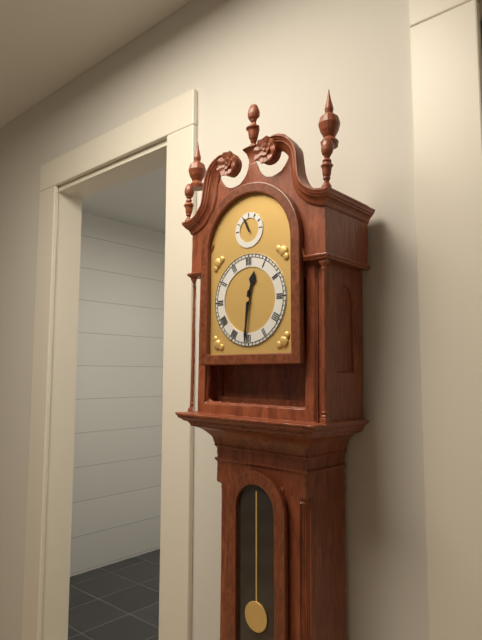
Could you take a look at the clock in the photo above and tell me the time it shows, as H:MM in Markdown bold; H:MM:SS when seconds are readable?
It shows **12:31**
